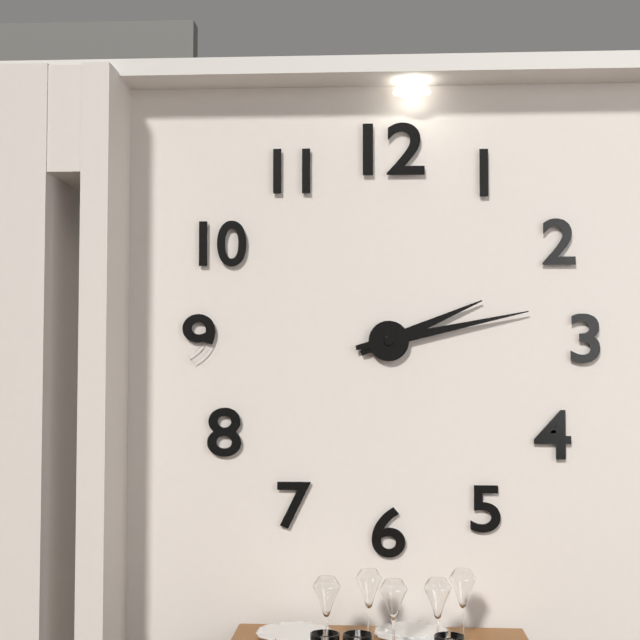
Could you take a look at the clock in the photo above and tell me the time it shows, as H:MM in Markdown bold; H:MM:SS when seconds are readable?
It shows **2:13**
